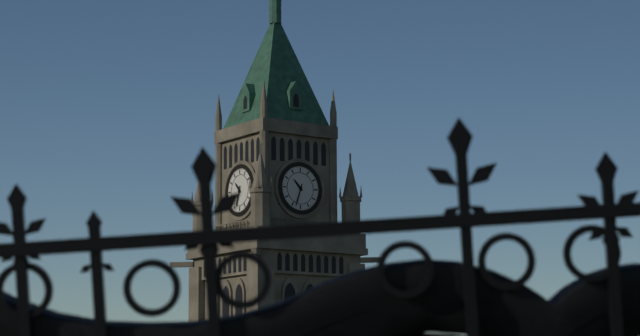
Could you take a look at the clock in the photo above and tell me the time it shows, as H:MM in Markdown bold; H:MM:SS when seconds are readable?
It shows **10:33**
